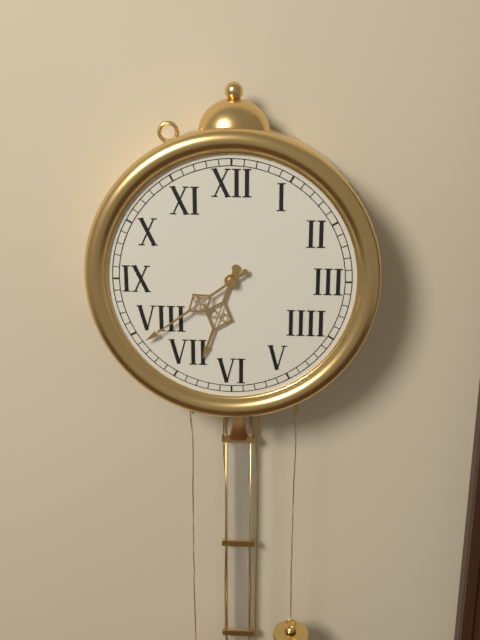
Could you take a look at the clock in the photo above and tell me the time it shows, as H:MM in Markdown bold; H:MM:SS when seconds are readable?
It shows **6:39**
